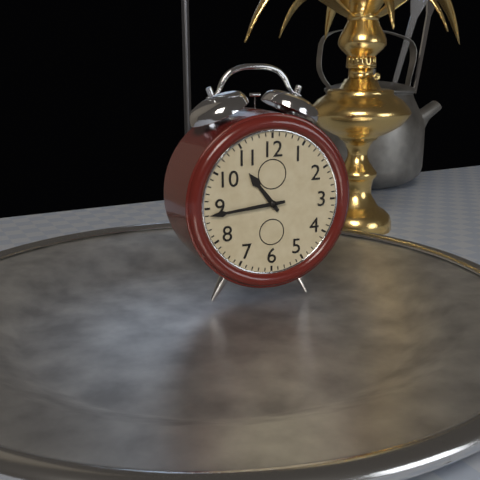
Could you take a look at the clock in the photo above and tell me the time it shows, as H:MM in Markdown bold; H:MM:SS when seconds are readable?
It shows **10:44**
